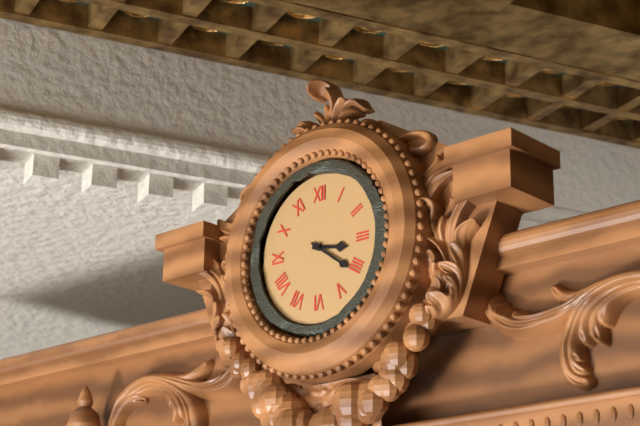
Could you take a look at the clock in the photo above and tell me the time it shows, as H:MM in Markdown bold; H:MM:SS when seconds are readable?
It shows **3:21**
